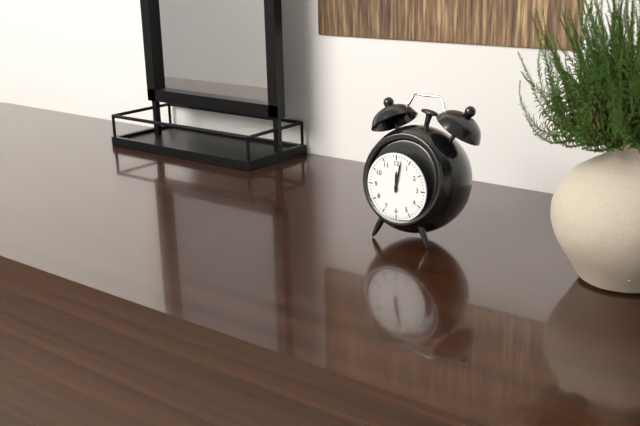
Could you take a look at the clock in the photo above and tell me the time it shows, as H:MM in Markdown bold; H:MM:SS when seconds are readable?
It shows **12:02**
